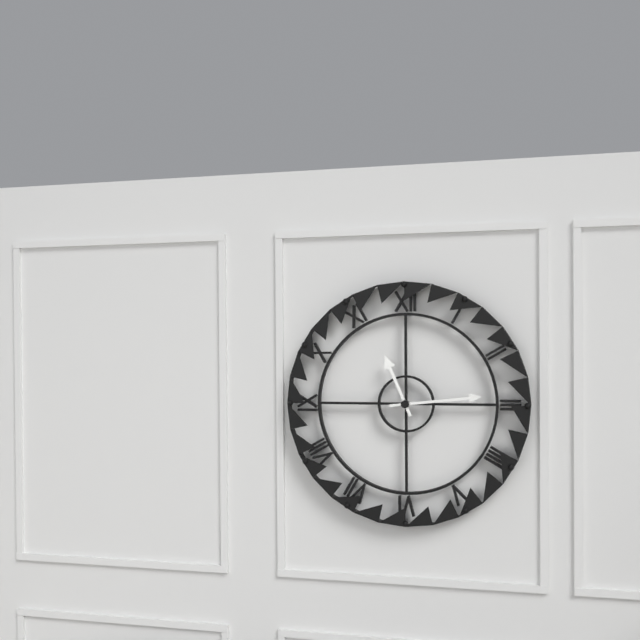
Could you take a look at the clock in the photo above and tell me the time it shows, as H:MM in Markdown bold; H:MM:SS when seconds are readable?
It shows **11:14**
